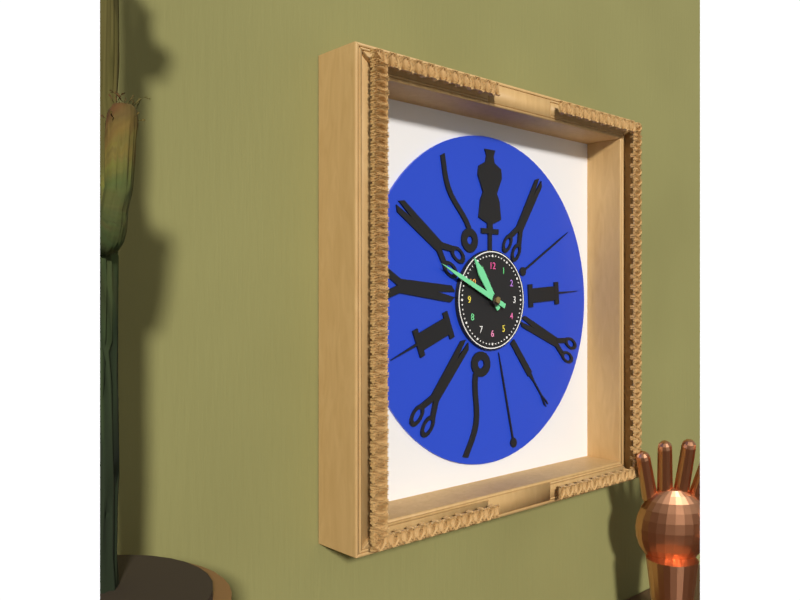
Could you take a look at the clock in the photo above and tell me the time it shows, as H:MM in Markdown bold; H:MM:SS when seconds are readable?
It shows **10:49**
